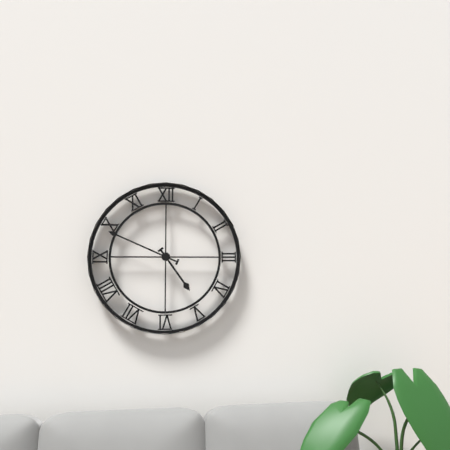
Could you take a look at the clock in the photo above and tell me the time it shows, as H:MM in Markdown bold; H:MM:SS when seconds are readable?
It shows **4:49**
